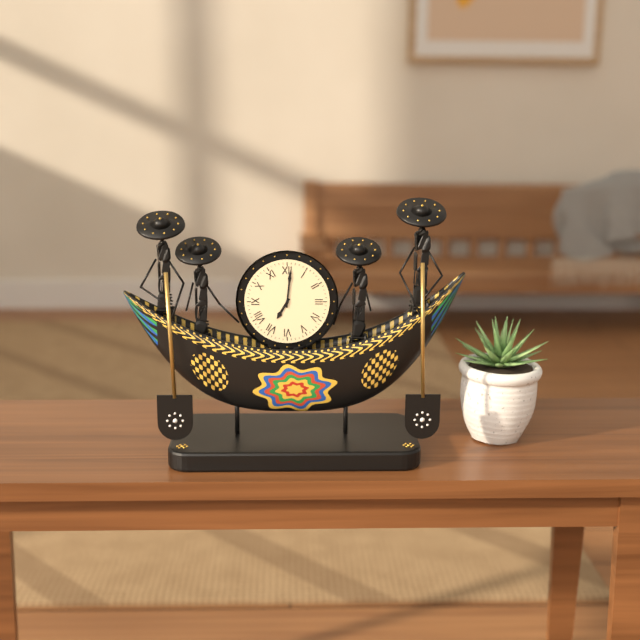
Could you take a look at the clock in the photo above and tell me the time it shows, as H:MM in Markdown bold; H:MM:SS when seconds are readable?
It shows **7:01**
